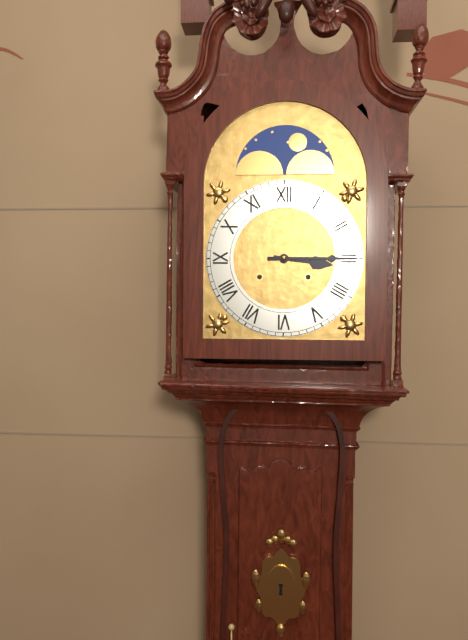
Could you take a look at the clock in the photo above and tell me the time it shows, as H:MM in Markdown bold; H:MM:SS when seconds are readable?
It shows **3:15**
